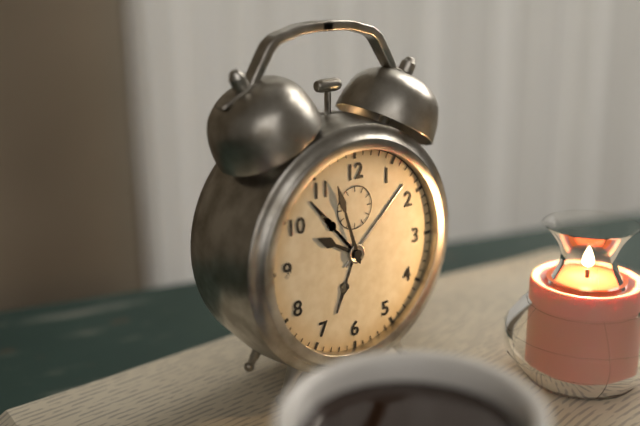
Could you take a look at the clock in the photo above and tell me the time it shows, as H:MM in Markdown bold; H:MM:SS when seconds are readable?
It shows **9:57**
